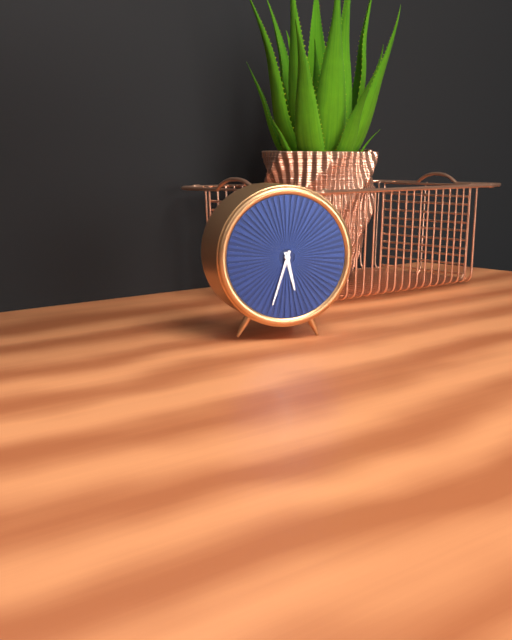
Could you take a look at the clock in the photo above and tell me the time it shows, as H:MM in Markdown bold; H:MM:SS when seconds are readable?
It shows **5:33**
